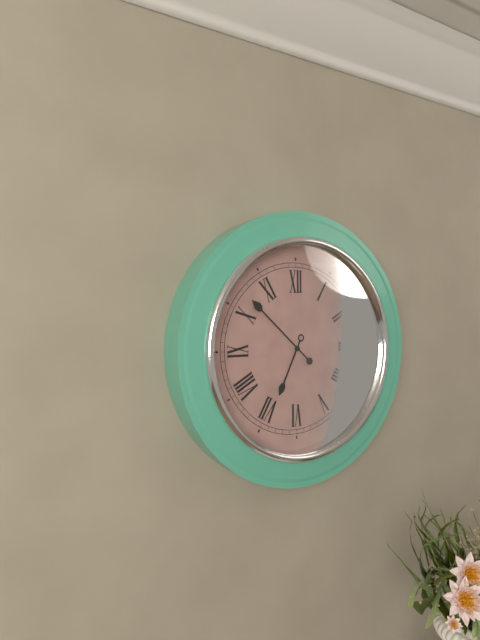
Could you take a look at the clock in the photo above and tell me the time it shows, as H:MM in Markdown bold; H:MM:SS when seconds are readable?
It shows **6:52**
